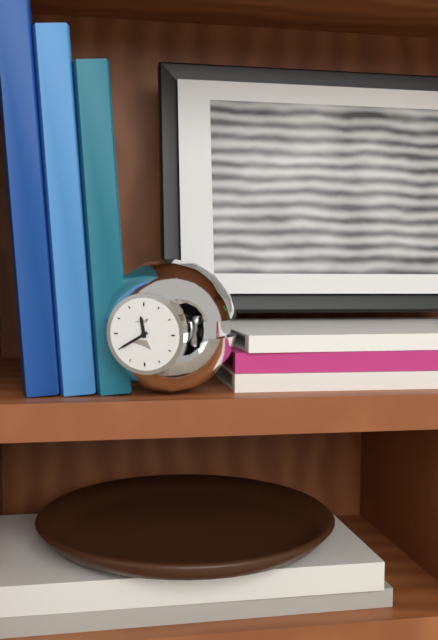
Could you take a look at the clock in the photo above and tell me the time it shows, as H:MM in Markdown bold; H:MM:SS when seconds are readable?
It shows **11:40**
